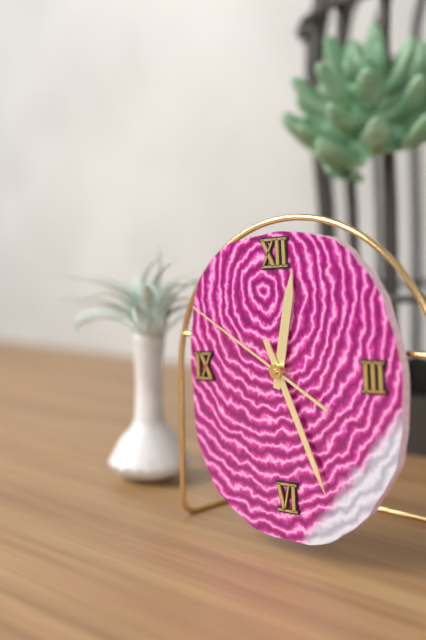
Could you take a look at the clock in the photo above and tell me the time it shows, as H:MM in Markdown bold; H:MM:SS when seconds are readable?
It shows **12:26:50**
